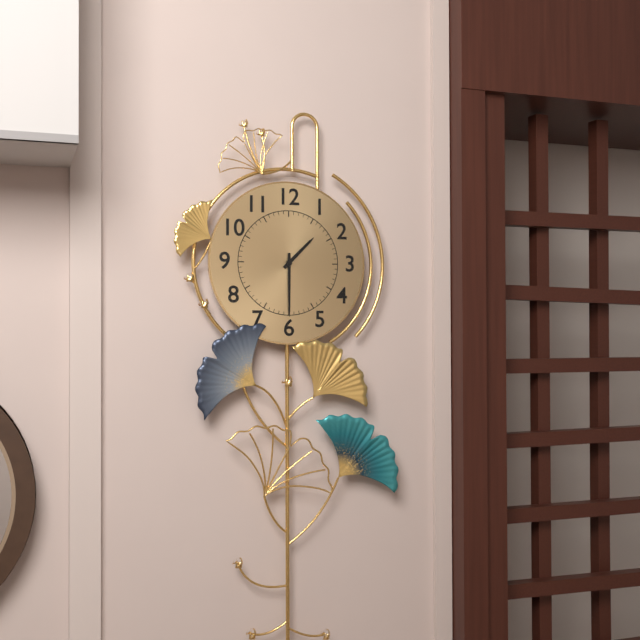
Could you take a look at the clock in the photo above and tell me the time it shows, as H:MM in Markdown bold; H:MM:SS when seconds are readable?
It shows **1:30**
